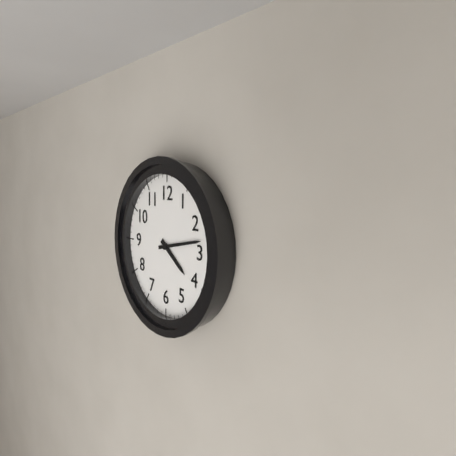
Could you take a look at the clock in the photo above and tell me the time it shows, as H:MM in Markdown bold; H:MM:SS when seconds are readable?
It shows **4:13**
